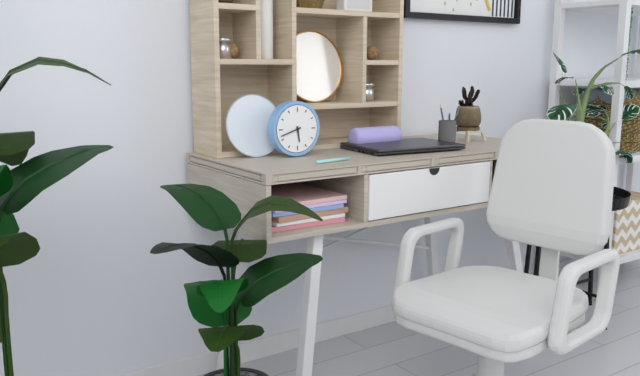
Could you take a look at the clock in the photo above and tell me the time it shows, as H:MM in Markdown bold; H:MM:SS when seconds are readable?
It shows **5:42**
